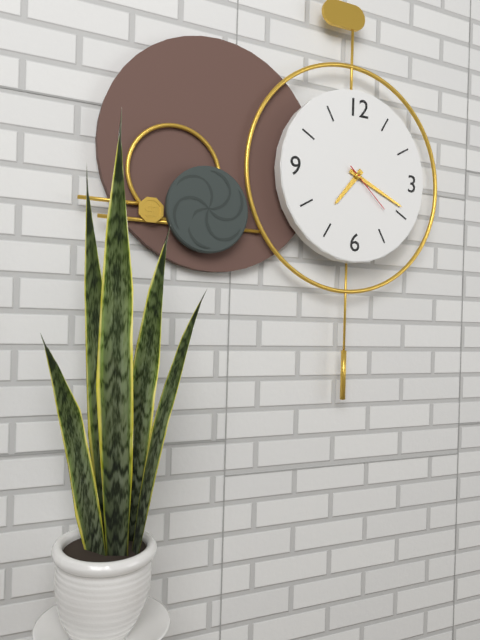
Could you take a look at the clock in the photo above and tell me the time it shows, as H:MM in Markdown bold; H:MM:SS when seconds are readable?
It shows **7:19:22**
